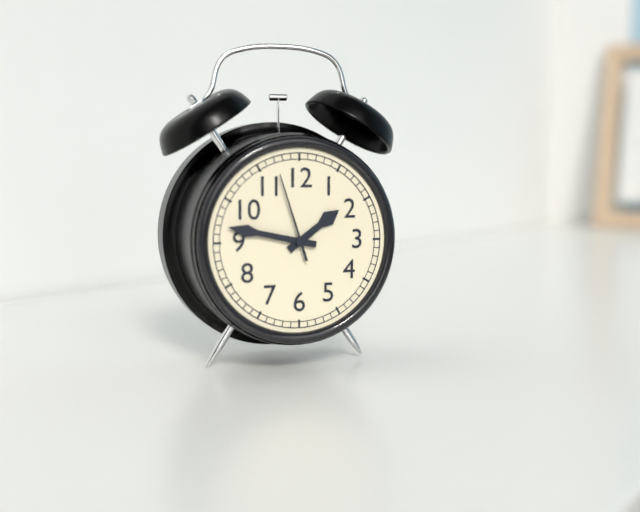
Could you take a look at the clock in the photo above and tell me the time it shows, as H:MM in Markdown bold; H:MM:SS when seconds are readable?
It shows **1:47:57**
